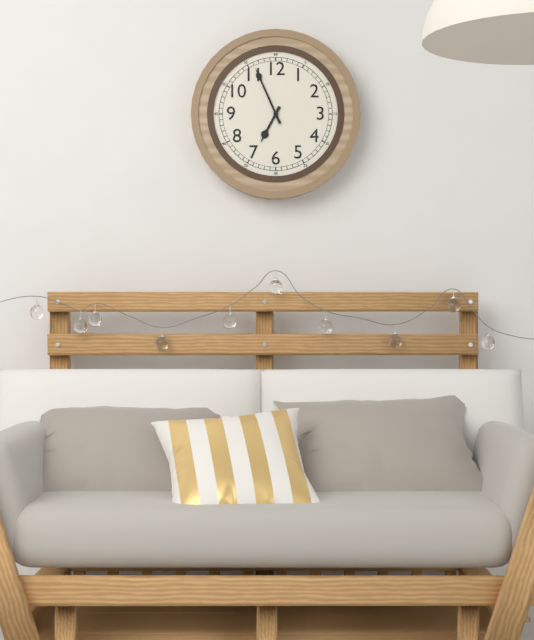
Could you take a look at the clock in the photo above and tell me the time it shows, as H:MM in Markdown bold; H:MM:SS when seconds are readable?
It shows **6:56**
